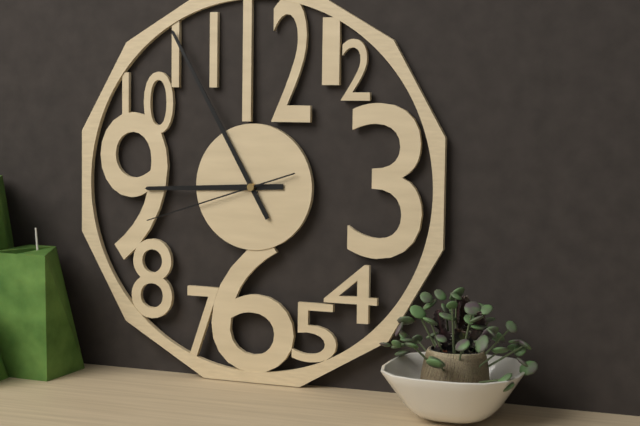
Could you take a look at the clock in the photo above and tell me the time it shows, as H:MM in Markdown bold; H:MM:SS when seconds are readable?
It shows **8:55:42**
